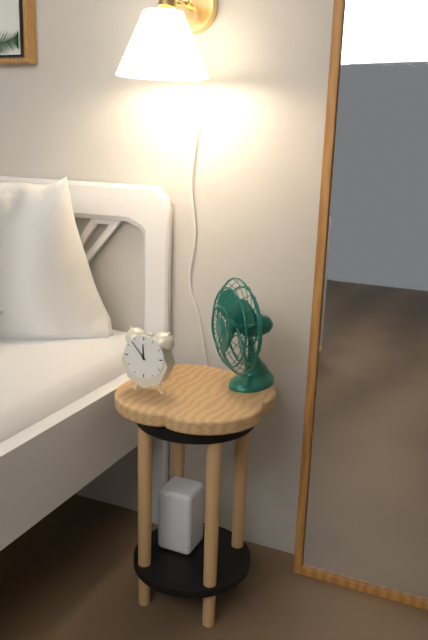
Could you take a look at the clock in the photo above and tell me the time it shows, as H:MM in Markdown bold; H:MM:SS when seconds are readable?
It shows **11:53**
